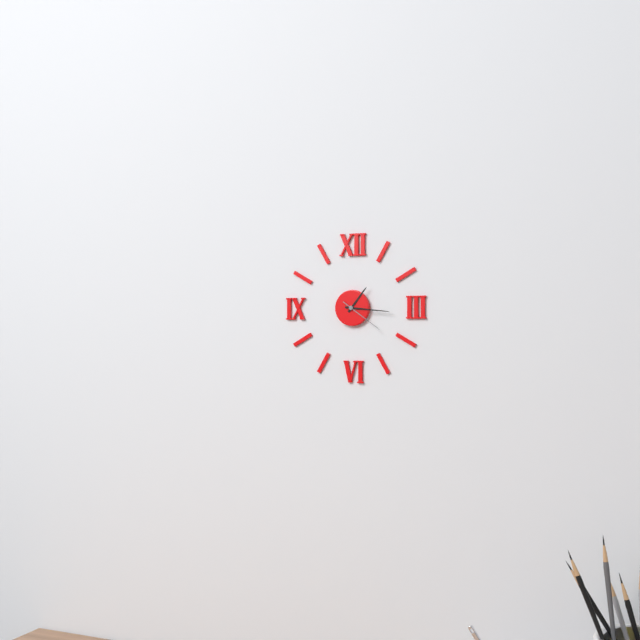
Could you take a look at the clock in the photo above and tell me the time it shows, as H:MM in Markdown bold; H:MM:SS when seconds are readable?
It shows **1:16**
